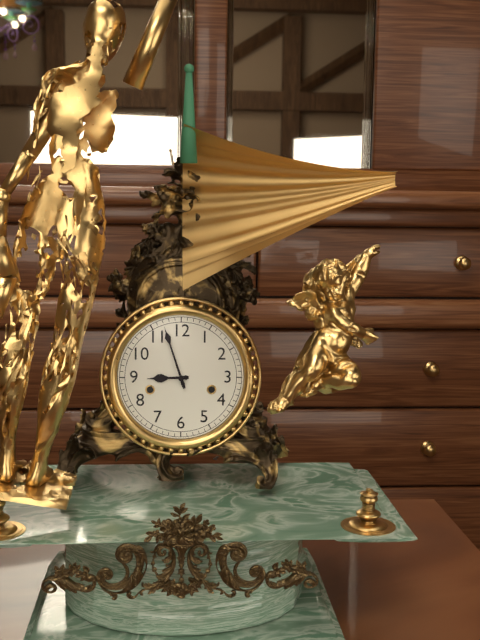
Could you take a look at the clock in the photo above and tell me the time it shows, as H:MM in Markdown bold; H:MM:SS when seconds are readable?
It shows **8:57**
